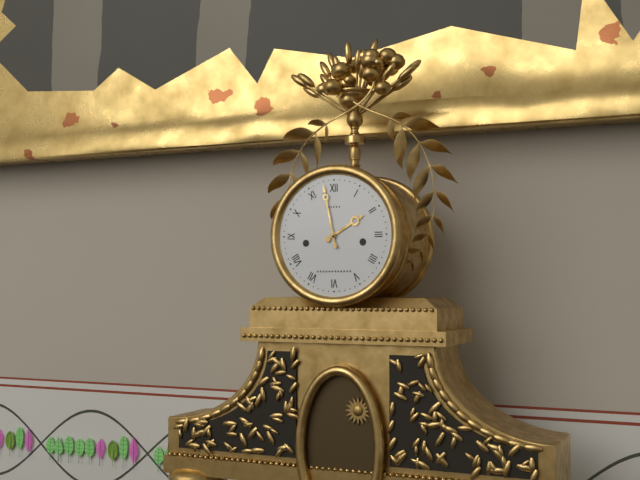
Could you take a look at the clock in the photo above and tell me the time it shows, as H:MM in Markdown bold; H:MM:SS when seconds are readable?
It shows **1:58**
